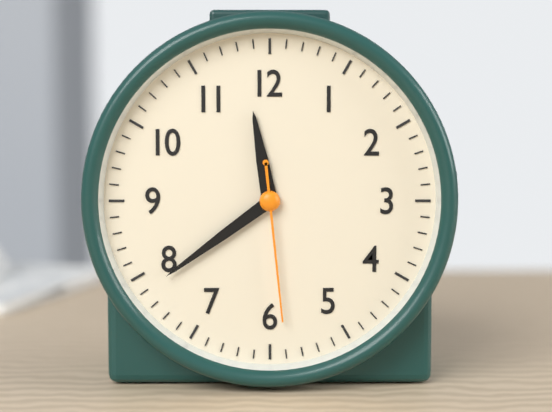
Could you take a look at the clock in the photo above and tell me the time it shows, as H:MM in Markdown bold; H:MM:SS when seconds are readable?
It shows **11:39:29**
